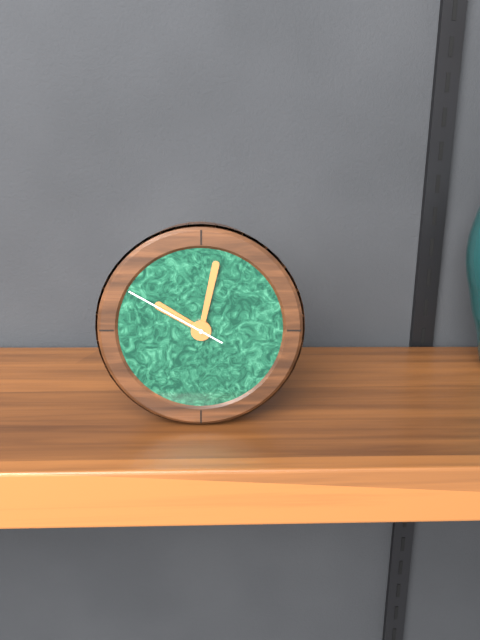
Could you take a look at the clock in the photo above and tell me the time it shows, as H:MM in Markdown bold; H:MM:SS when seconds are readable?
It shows **10:02:50**
